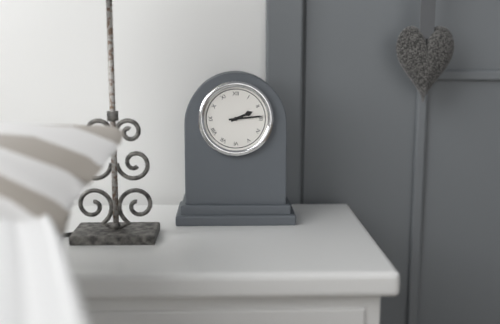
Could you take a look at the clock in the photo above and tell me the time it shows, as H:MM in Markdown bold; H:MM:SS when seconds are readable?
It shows **2:14**
